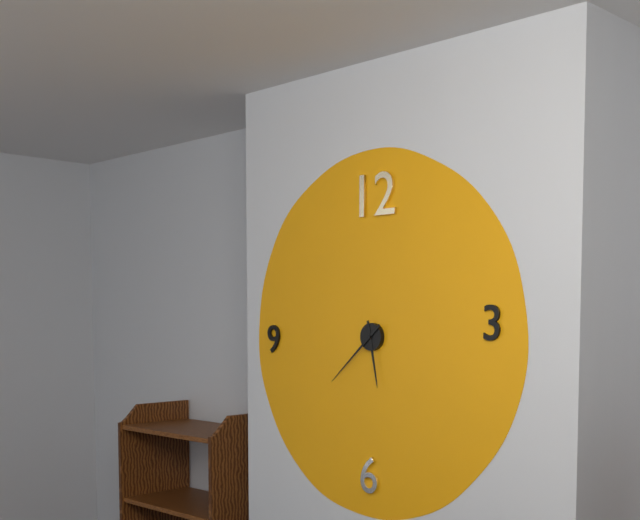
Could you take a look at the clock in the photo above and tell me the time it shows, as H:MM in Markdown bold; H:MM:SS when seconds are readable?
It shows **5:38**
